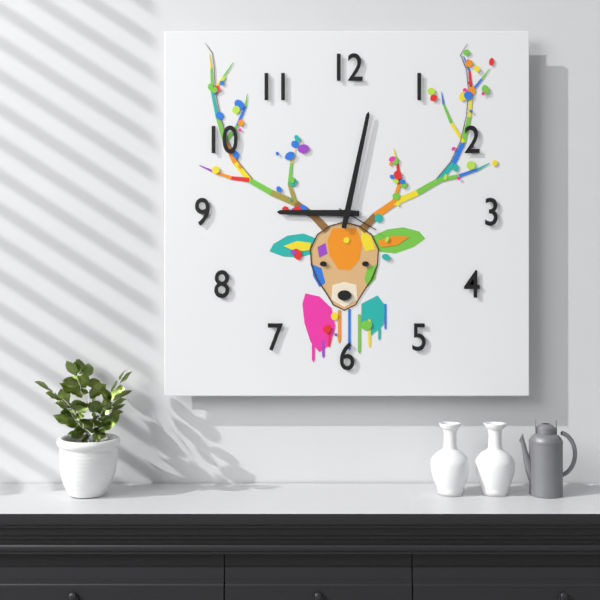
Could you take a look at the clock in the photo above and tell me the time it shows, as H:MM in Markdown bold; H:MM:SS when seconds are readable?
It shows **9:02**
